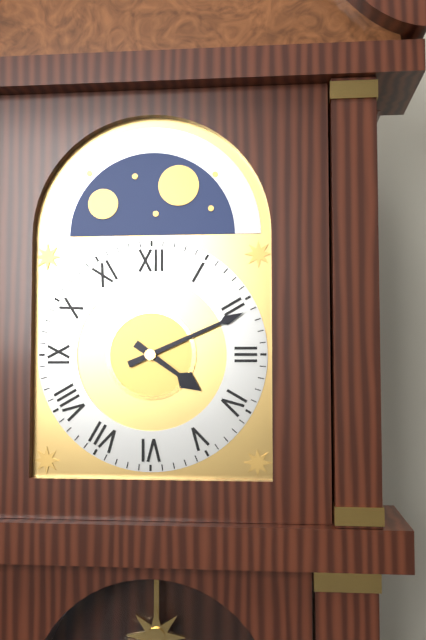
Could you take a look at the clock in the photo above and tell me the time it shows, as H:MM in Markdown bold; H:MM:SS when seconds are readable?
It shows **4:11**
